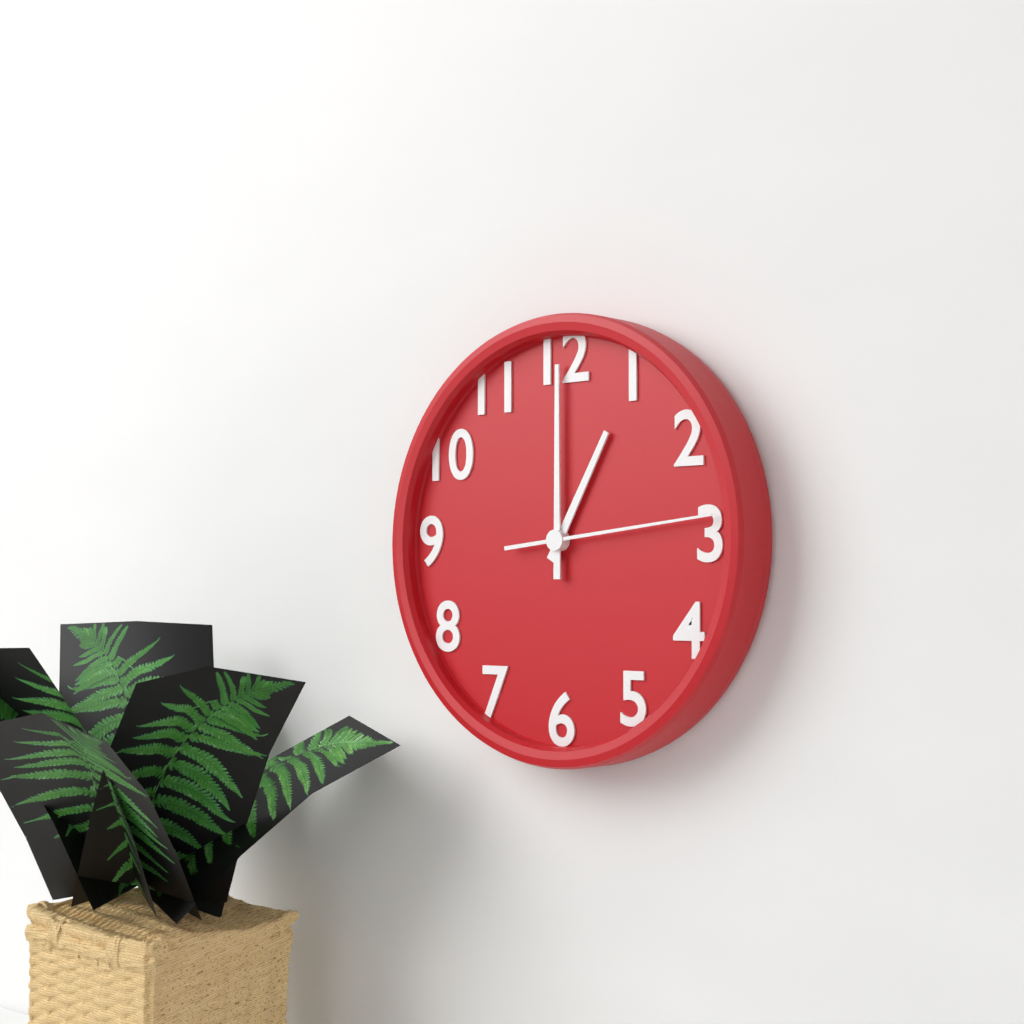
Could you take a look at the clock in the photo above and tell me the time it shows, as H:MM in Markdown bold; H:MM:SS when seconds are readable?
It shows **1:00:14**
